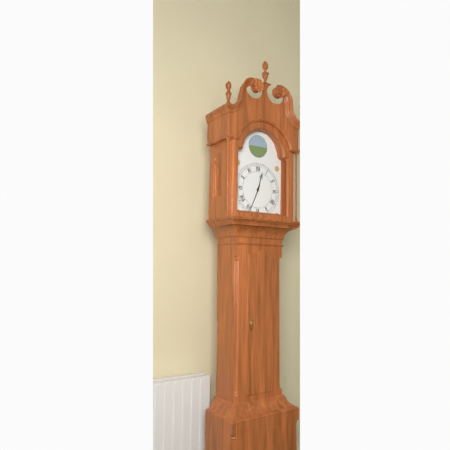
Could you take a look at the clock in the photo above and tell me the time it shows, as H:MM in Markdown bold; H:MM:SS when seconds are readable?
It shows **12:34**
